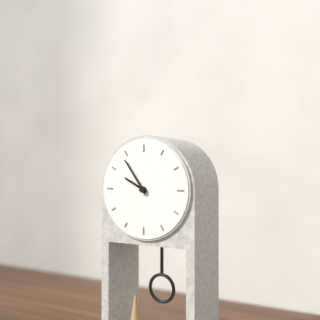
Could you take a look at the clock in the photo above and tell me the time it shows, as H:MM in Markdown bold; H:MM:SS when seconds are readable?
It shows **9:54**
